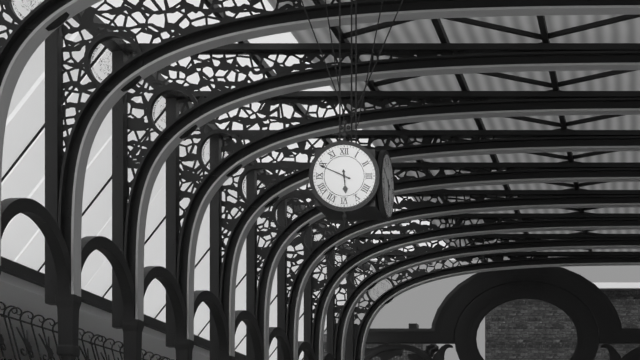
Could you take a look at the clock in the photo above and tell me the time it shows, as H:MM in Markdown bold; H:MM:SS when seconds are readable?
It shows **5:49**
